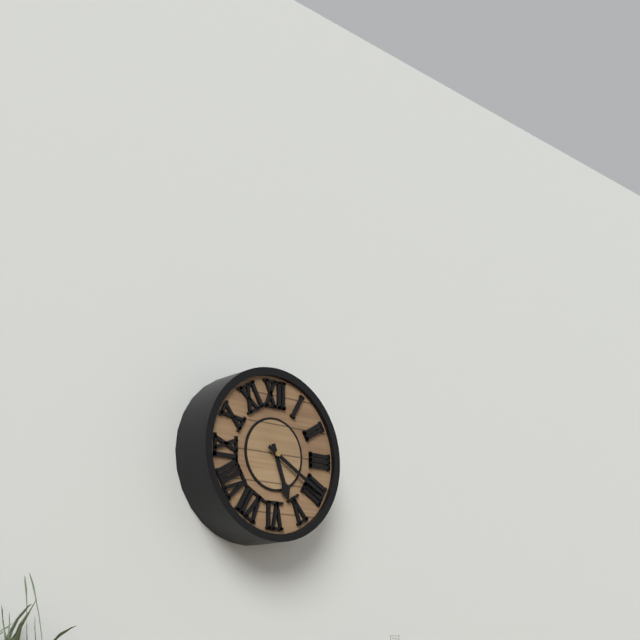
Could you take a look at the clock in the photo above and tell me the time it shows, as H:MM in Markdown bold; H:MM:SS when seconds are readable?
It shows **5:20**
